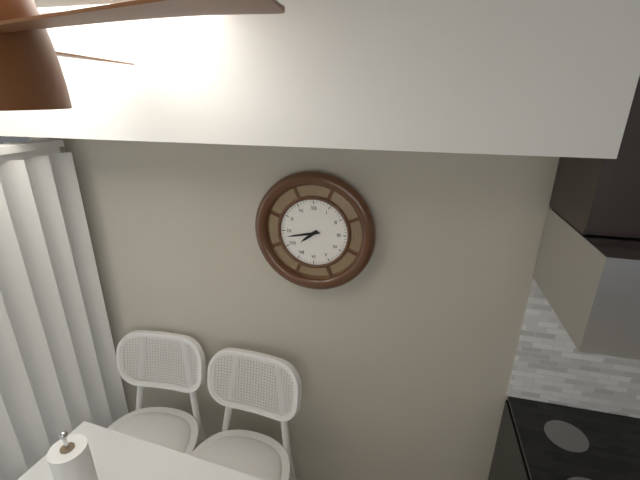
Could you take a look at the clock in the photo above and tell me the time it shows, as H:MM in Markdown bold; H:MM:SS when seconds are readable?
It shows **7:43**
